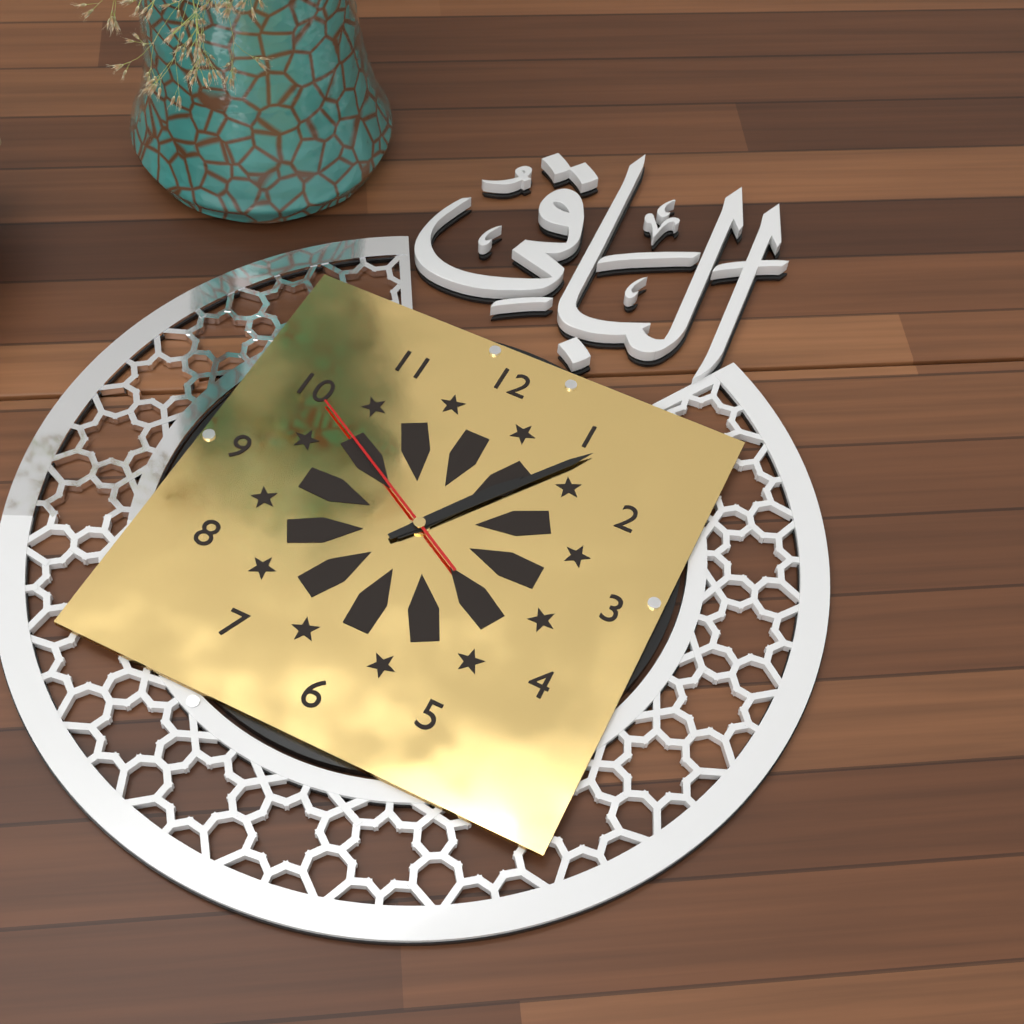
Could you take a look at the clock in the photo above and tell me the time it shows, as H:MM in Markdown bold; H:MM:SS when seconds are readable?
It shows **1:06:50**
